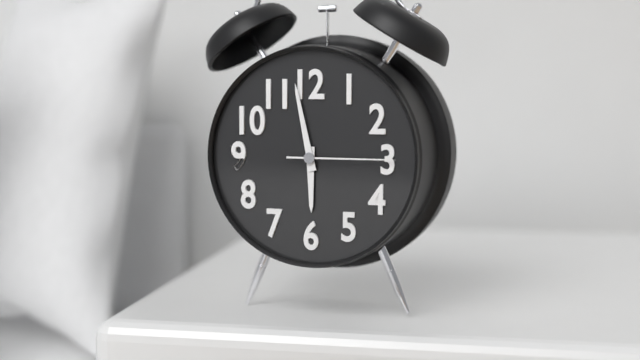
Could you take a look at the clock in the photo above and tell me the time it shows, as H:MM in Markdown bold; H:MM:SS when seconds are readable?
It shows **5:58:15**
